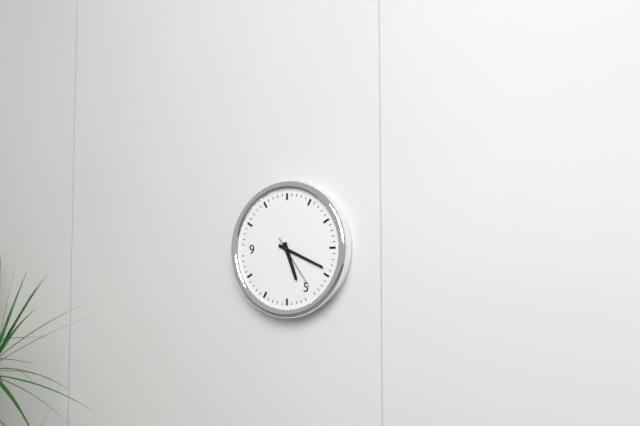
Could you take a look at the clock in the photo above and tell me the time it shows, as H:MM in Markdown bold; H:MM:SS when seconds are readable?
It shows **5:19:24**
